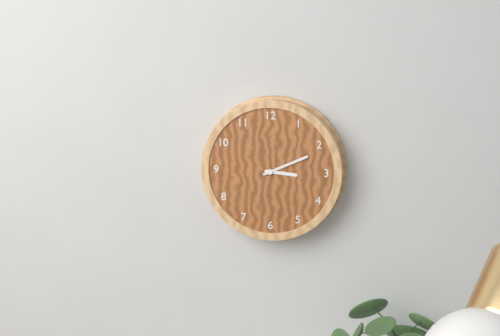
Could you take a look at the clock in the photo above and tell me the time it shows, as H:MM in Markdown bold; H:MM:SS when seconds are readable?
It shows **3:11**
